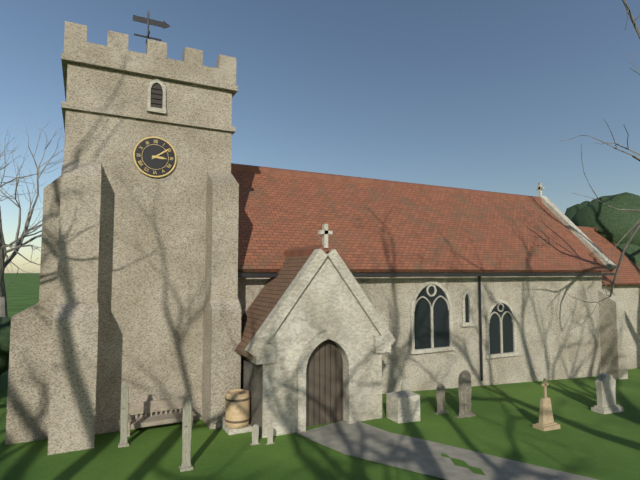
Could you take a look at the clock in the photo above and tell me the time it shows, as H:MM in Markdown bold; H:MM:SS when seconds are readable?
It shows **3:09**
